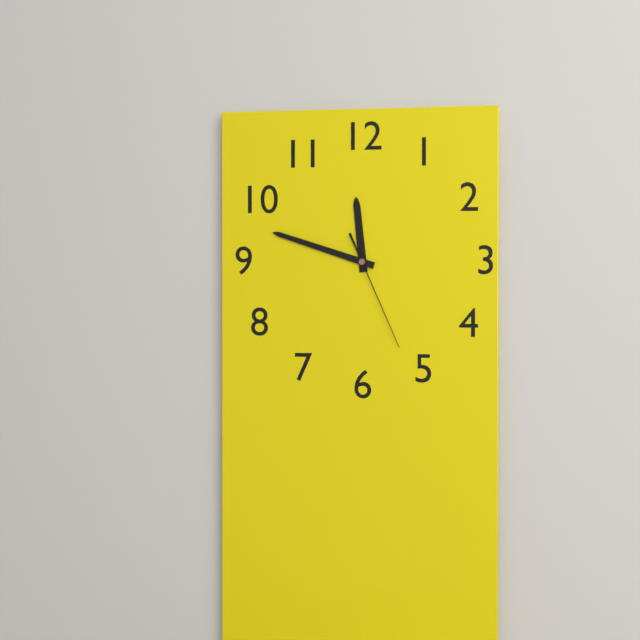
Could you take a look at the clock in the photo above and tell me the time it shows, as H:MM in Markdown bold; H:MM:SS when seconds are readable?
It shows **11:48:26**
